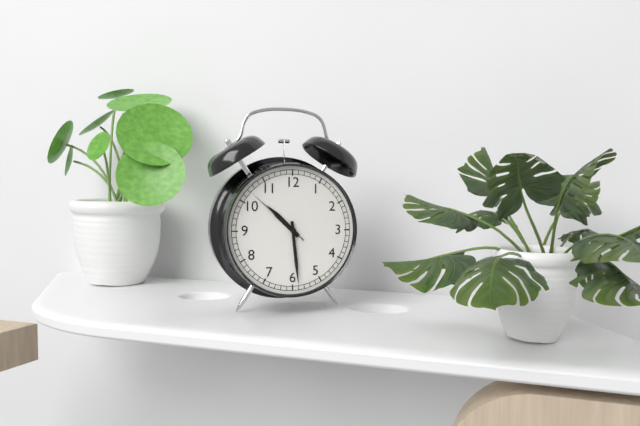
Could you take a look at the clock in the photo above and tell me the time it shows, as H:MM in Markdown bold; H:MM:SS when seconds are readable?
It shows **10:29:52**
